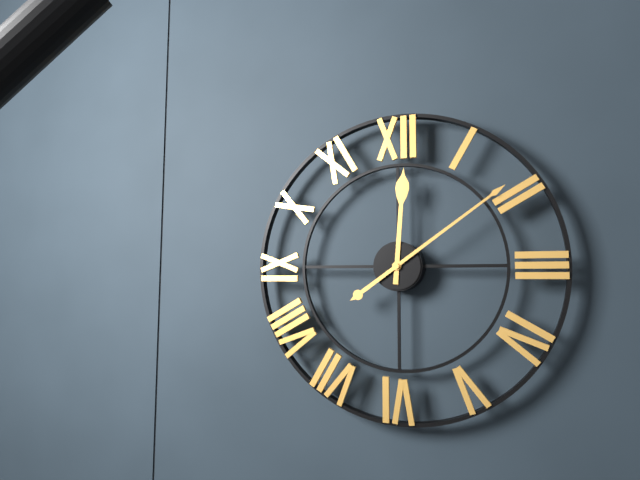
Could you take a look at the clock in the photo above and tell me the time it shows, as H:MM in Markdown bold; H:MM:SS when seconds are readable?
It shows **12:09**
